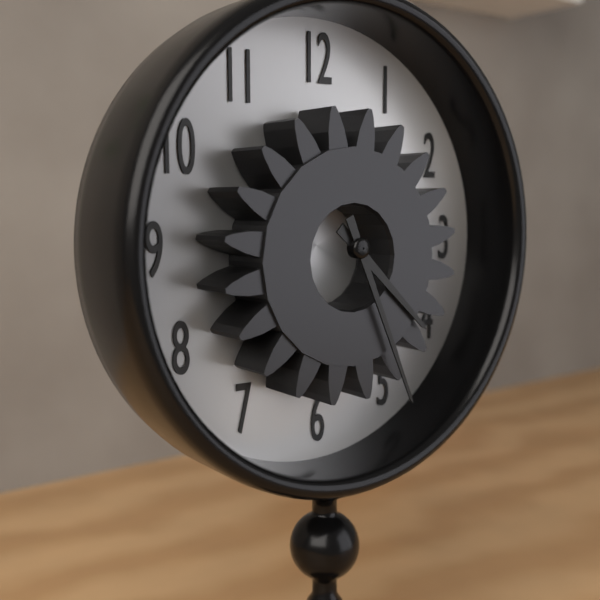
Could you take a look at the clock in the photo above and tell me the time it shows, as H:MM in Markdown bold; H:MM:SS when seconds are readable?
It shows **4:26**
